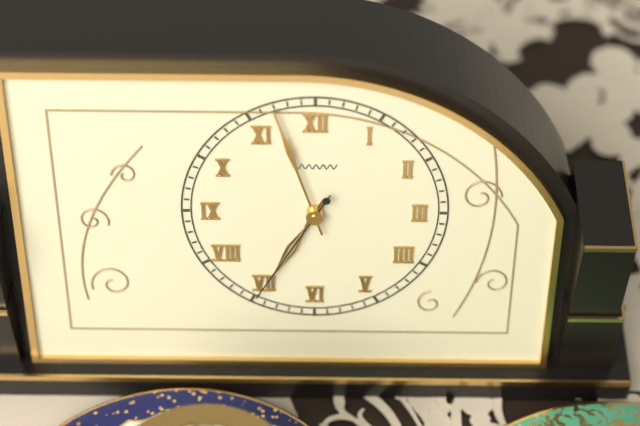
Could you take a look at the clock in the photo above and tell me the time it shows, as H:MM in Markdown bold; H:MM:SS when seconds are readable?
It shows **6:57:35**
